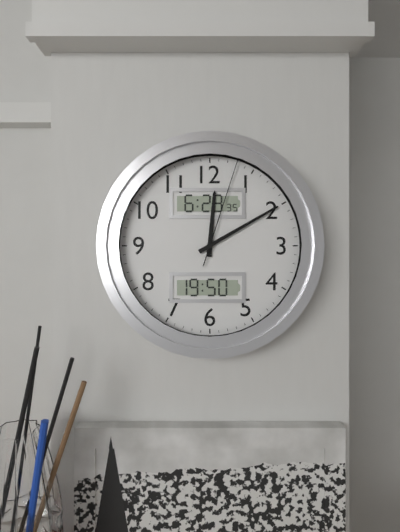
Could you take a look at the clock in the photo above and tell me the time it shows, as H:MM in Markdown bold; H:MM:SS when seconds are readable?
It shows **12:10:03**
